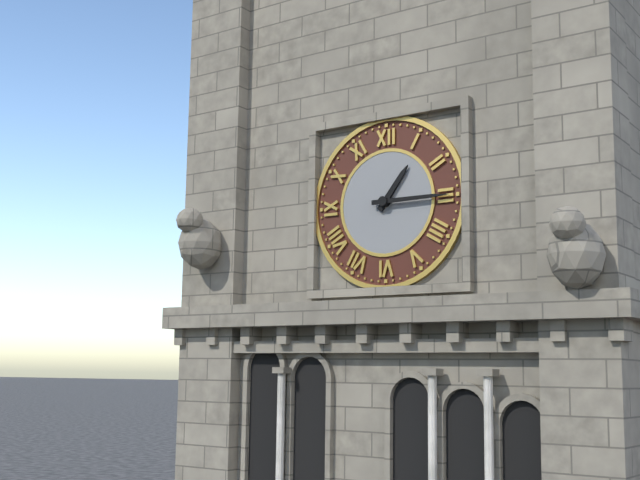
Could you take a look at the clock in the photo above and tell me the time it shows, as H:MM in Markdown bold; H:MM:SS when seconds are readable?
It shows **1:15**
